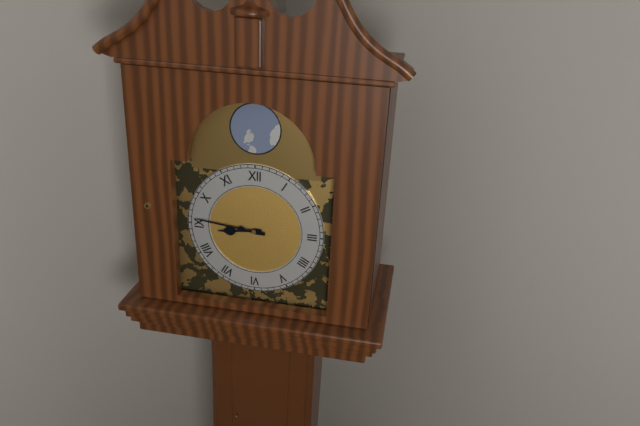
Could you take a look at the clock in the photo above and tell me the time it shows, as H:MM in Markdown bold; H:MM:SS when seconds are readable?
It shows **8:46**
